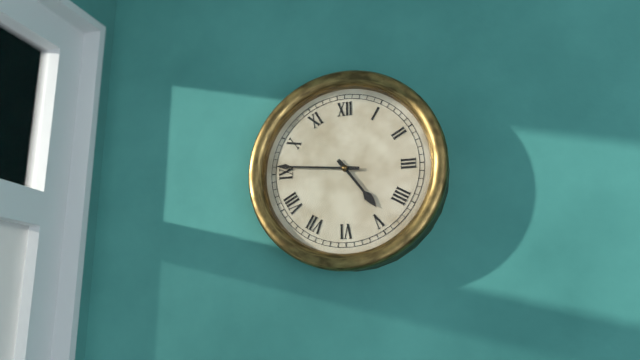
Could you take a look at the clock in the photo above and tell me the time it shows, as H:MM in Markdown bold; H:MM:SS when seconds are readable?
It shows **4:46**
